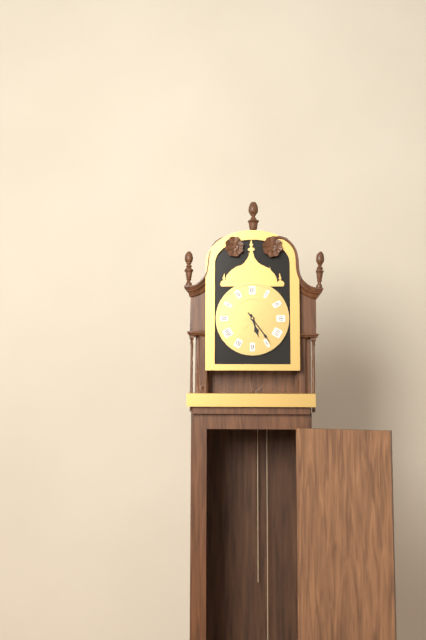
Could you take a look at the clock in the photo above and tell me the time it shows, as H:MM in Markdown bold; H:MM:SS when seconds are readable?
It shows **5:24**
